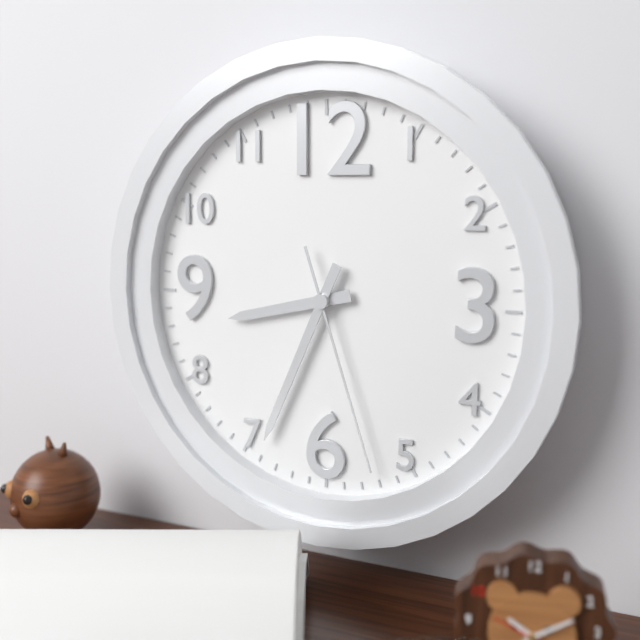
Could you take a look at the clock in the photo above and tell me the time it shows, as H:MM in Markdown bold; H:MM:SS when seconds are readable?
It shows **8:34:27**
